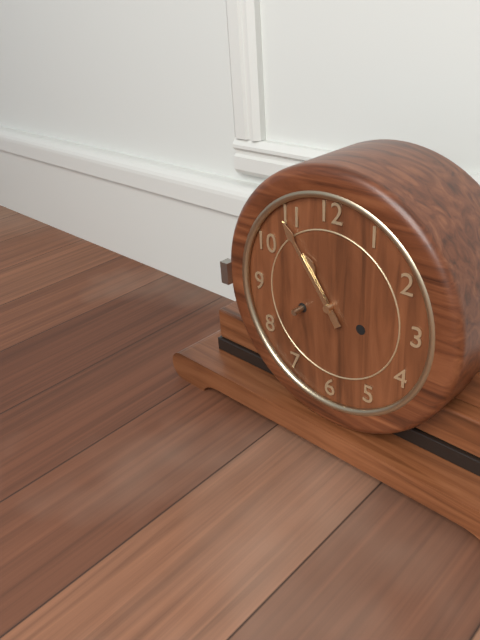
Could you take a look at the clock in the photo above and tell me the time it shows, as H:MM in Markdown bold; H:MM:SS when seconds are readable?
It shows **10:54**
